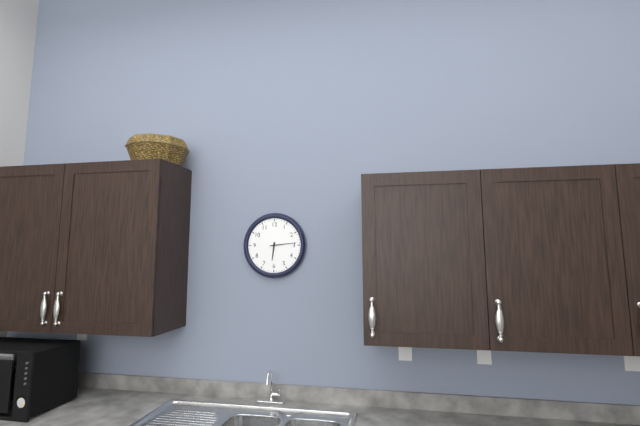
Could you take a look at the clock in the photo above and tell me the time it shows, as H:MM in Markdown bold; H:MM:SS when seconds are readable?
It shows **6:14**
